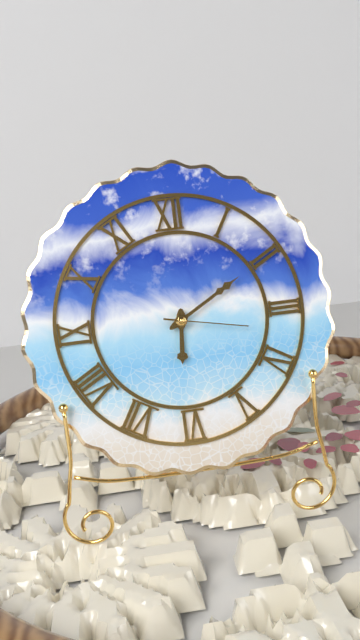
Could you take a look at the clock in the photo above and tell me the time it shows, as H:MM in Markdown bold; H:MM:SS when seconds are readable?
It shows **6:10:17**
